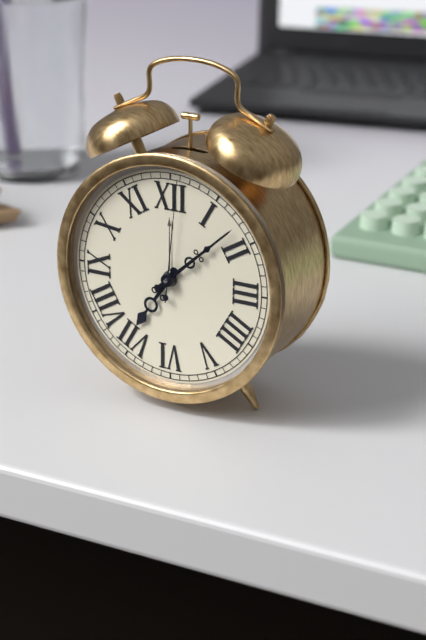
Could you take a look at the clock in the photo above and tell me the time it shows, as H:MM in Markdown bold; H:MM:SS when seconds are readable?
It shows **7:08:01**
